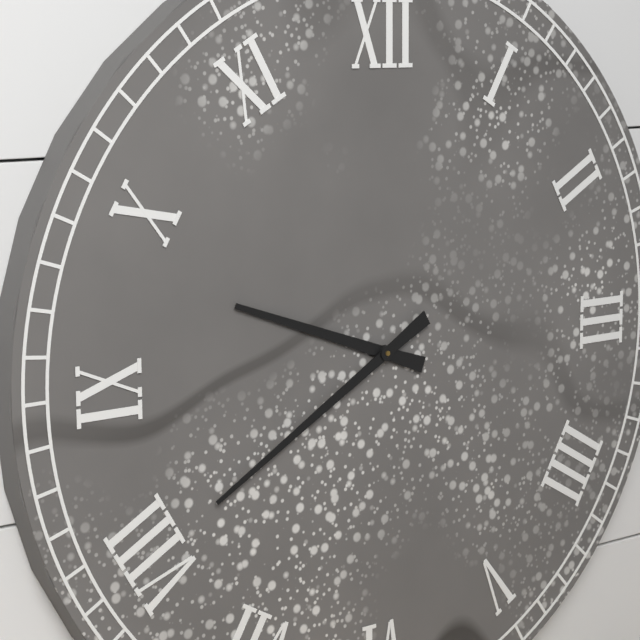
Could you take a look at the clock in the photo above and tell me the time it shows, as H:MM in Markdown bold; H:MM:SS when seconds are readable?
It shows **9:40**
